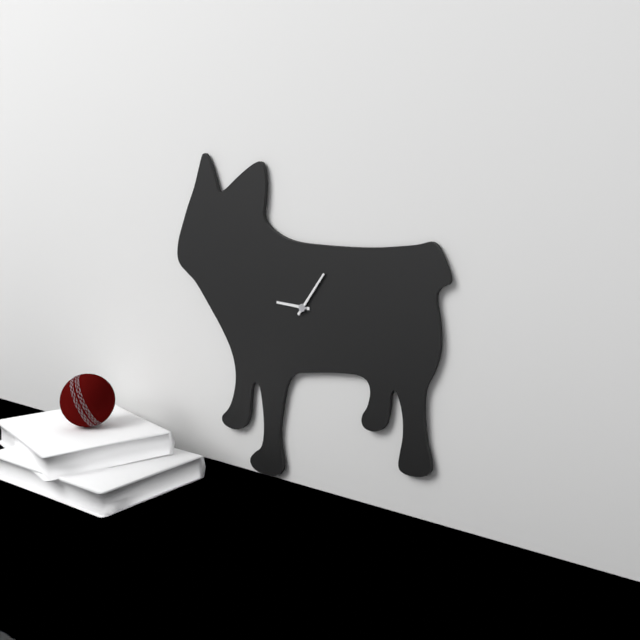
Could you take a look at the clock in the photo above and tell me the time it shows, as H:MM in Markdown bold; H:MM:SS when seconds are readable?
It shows **9:06**
